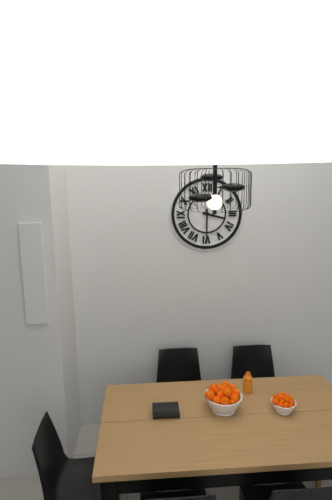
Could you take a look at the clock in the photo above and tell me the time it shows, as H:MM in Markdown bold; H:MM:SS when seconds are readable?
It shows **3:30**
